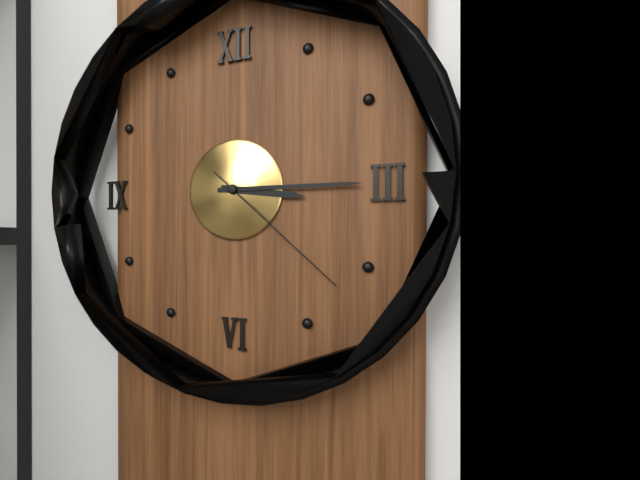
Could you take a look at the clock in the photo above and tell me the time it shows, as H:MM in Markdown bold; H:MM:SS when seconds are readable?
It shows **3:15:22**
